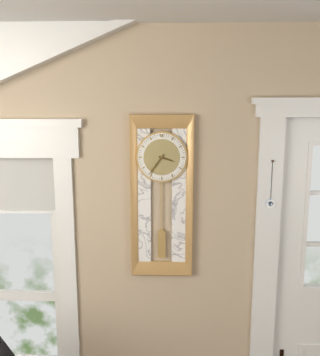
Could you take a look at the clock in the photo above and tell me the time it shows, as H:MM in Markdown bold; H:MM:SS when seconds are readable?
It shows **3:36**
